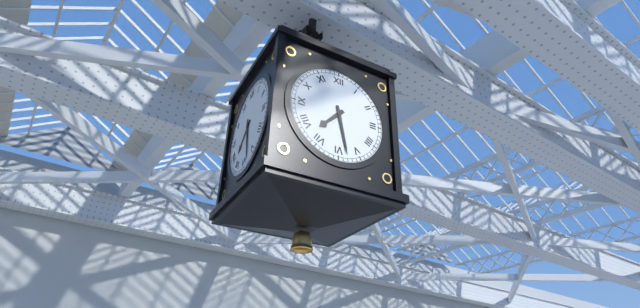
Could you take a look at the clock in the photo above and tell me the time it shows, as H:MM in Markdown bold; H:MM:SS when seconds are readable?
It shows **7:28**
